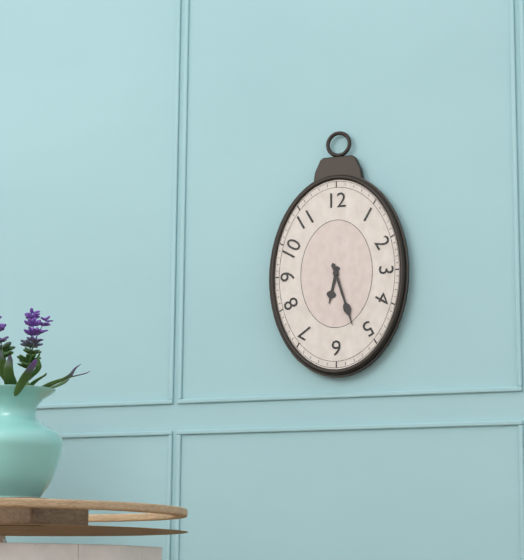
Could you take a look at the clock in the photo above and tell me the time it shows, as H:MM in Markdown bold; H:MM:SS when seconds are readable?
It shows **6:27**
